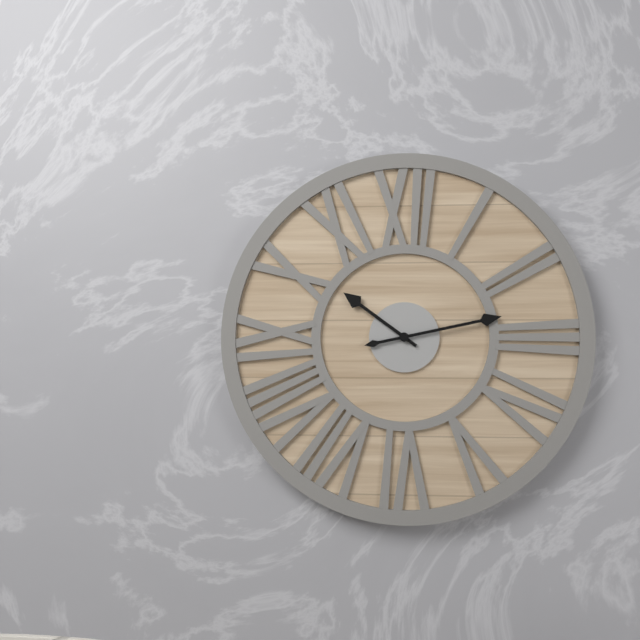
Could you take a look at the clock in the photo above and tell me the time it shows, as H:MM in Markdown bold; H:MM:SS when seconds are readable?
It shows **10:13**
